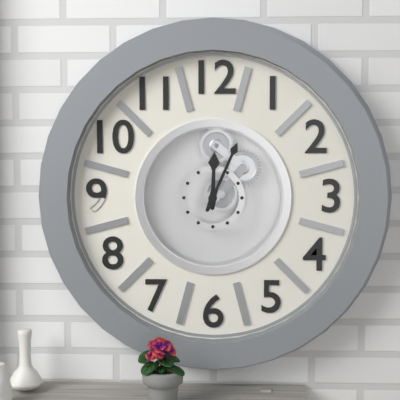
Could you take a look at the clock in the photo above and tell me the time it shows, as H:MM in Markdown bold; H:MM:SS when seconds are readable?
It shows **12:04**
